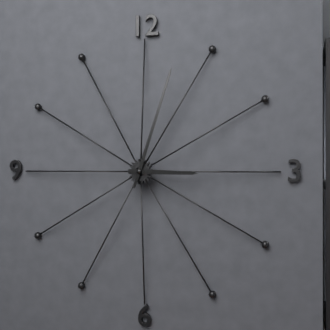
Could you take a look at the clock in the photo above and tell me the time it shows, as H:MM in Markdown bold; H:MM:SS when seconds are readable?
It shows **3:03**
